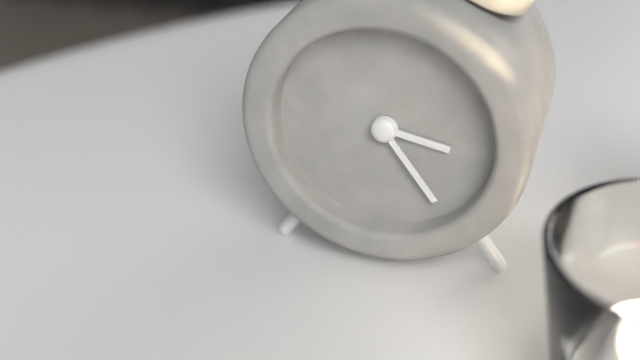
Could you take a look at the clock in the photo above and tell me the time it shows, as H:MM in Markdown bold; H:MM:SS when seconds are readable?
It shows **3:24**
